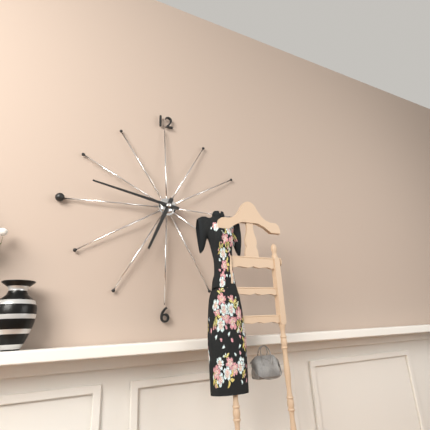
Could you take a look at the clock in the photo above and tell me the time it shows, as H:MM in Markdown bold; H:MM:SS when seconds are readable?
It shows **6:47**
